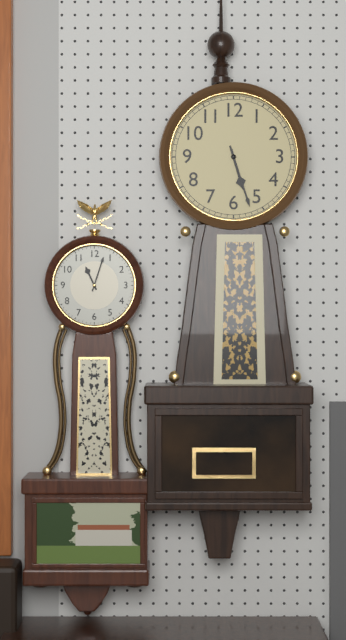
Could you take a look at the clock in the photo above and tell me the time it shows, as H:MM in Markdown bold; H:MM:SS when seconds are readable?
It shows **5:27**
